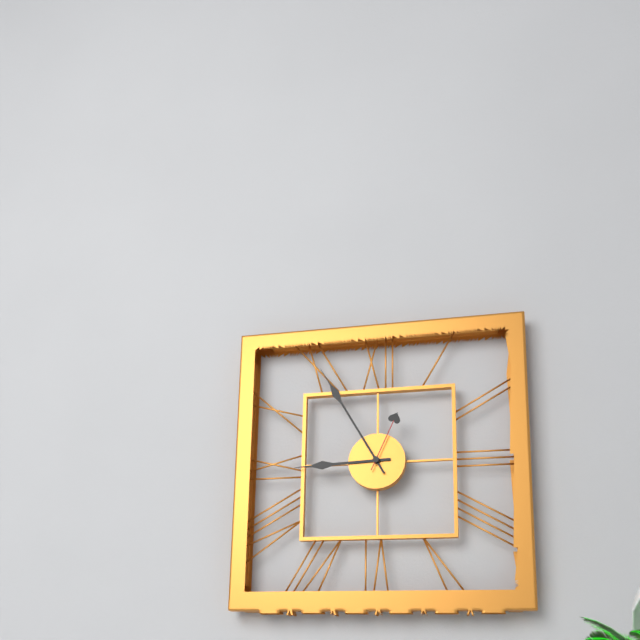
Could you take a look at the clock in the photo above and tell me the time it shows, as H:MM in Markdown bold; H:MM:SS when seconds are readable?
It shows **8:55:04**
